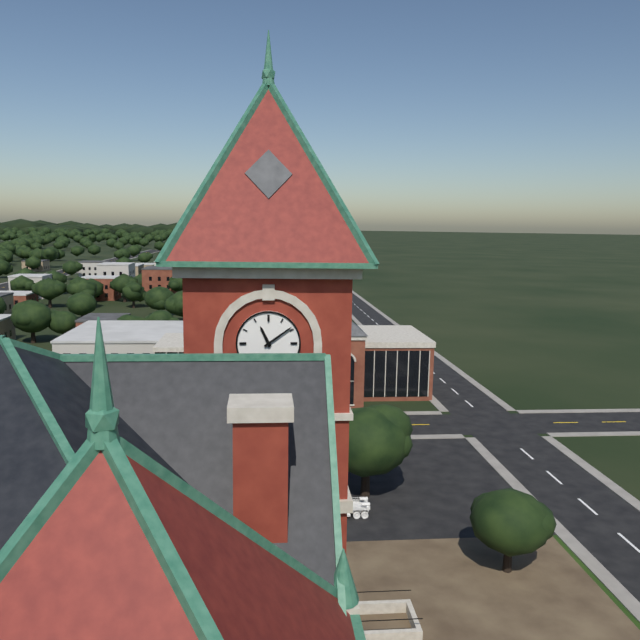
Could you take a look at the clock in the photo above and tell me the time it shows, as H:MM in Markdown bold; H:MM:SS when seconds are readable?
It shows **11:09**
